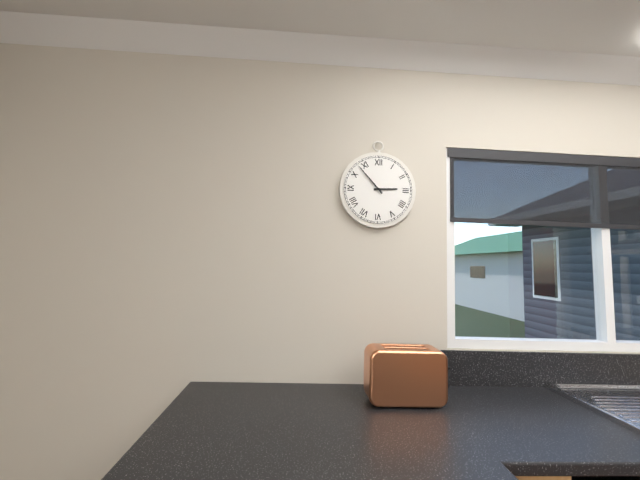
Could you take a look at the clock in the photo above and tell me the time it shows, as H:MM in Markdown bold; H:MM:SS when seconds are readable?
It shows **2:53**
